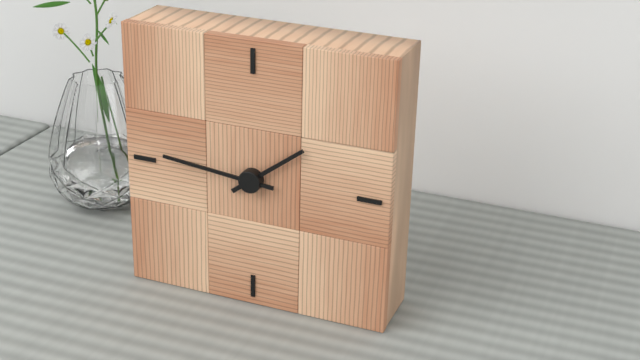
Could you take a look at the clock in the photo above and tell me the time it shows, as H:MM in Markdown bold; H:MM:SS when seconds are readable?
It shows **1:46**
